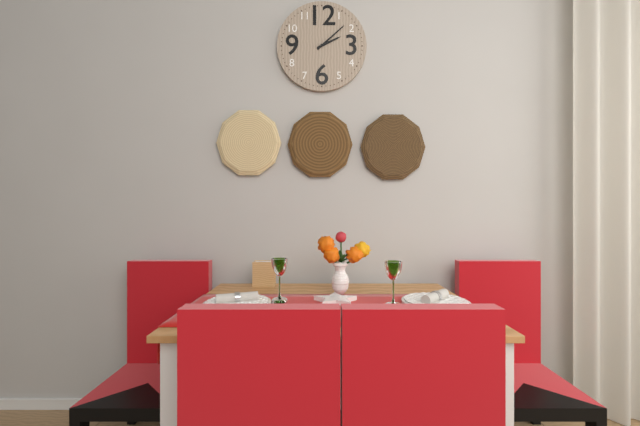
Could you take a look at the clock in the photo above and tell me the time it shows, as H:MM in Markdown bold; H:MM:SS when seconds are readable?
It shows **2:08**
